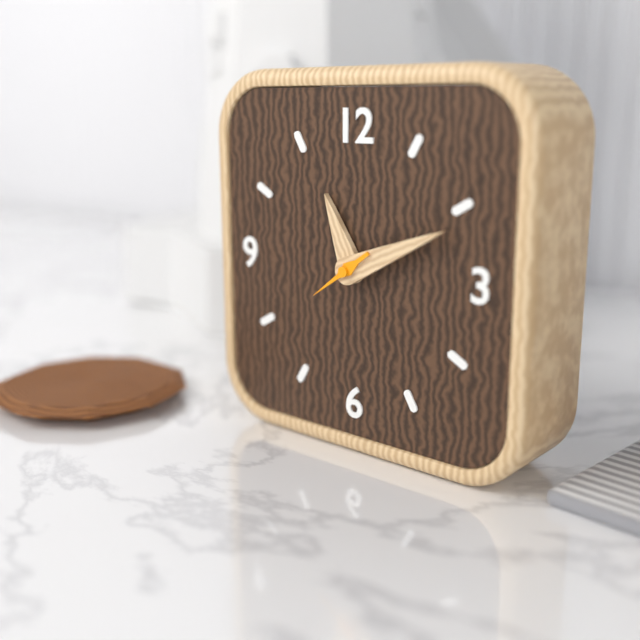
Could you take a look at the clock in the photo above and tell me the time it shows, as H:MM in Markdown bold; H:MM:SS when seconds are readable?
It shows **11:11:39**
